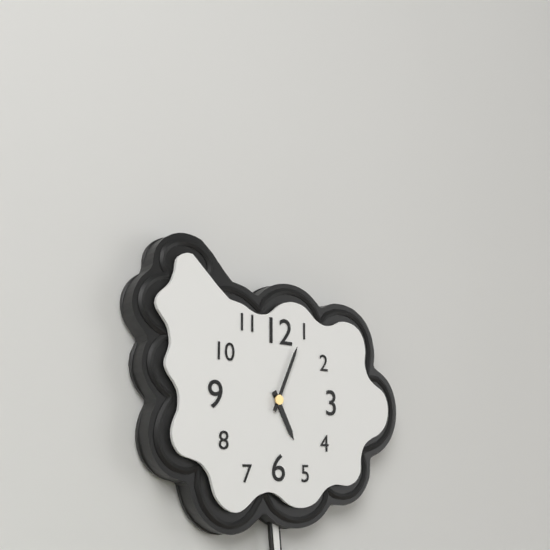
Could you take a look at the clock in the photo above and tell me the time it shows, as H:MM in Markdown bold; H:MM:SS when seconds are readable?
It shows **5:04**
